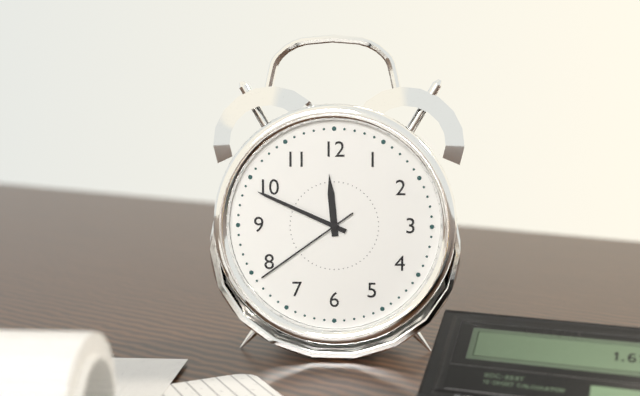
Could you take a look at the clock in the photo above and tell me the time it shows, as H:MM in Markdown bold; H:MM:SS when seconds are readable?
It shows **11:49:39**
